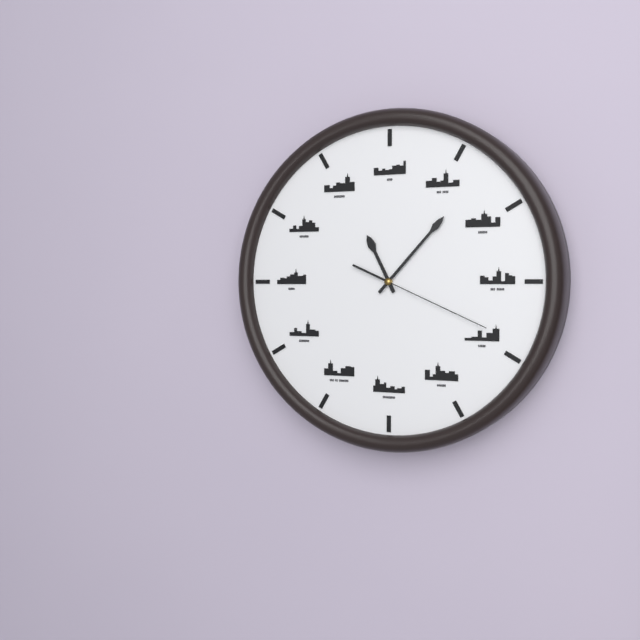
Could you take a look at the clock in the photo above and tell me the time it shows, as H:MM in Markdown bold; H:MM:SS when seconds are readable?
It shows **11:07:19**
